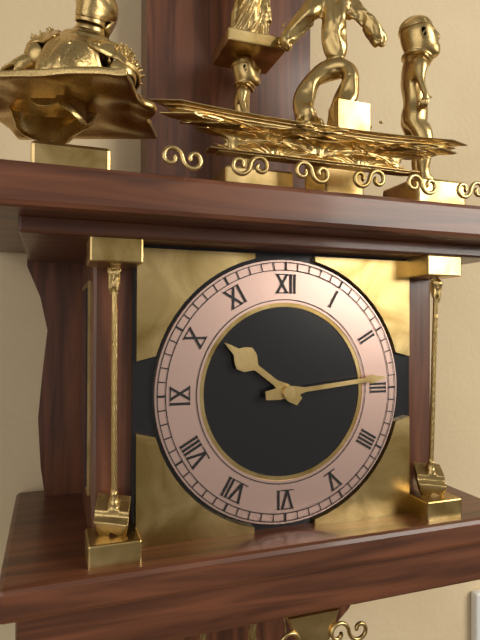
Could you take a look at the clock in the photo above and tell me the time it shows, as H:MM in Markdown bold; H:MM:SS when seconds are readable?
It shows **10:14**
